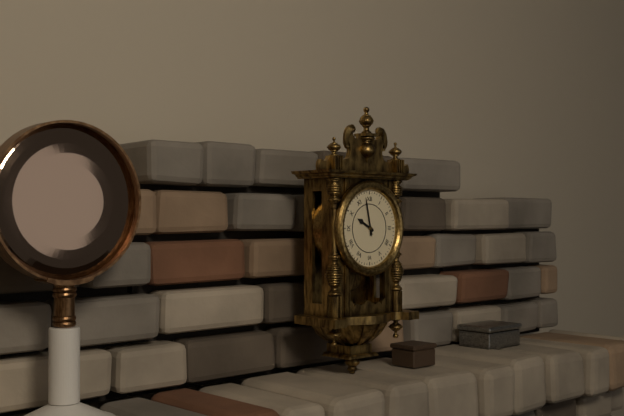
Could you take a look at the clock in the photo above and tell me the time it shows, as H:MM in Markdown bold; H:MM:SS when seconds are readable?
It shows **9:58**
